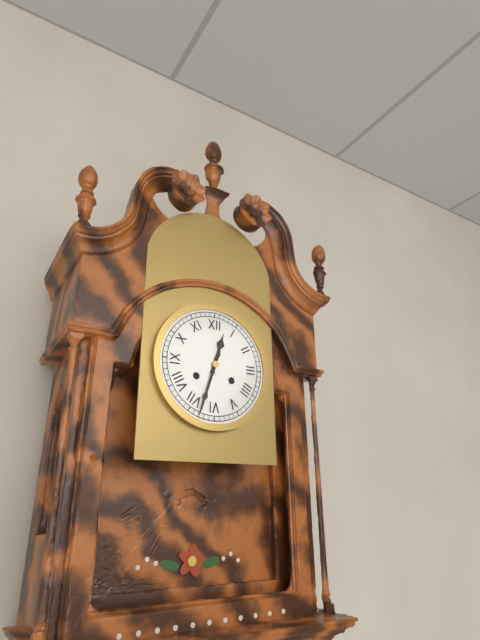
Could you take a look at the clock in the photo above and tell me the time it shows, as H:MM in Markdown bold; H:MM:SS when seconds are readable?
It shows **12:33**
